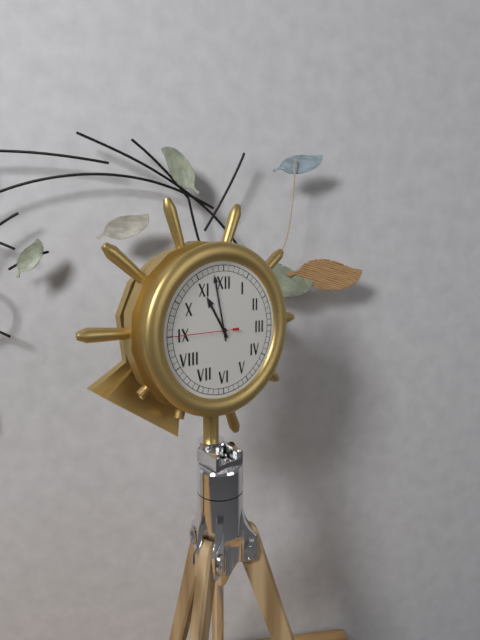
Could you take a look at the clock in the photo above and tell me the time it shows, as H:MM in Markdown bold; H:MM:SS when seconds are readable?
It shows **10:58:45**
